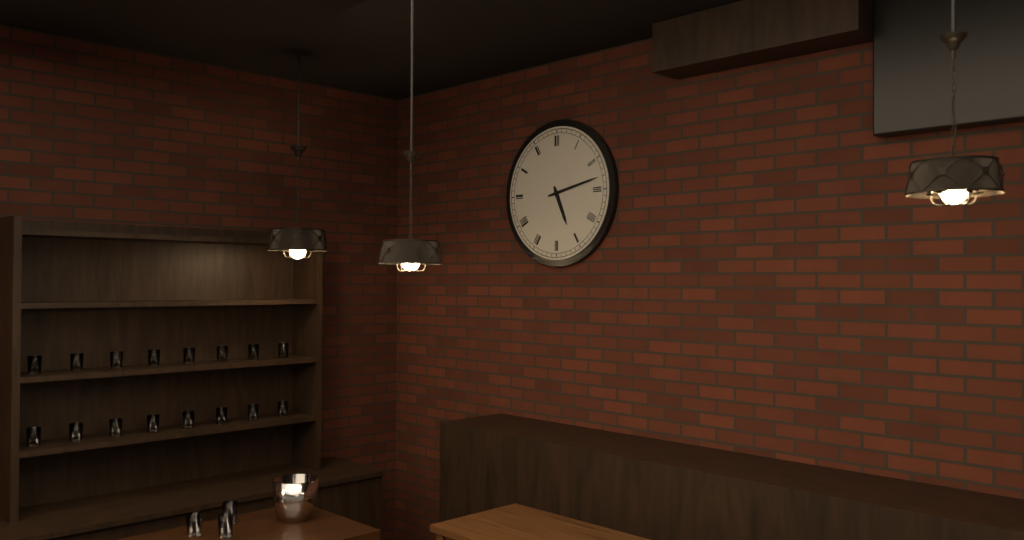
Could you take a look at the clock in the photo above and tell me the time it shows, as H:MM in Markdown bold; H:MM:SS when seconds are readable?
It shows **5:13**
